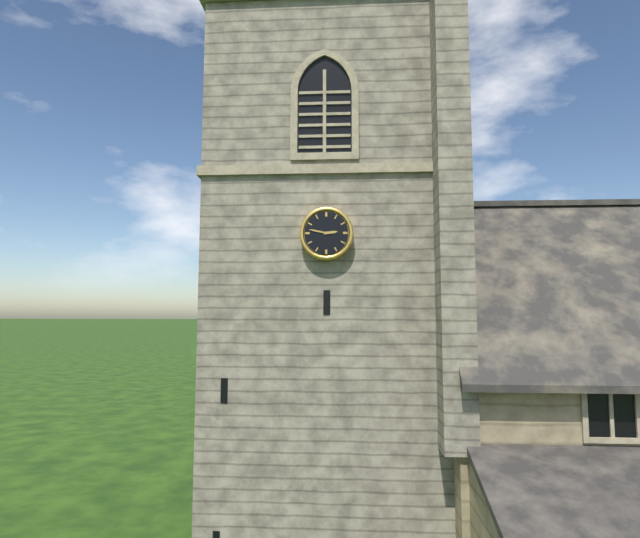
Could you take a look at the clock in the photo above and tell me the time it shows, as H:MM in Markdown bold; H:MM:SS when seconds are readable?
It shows **2:47**
